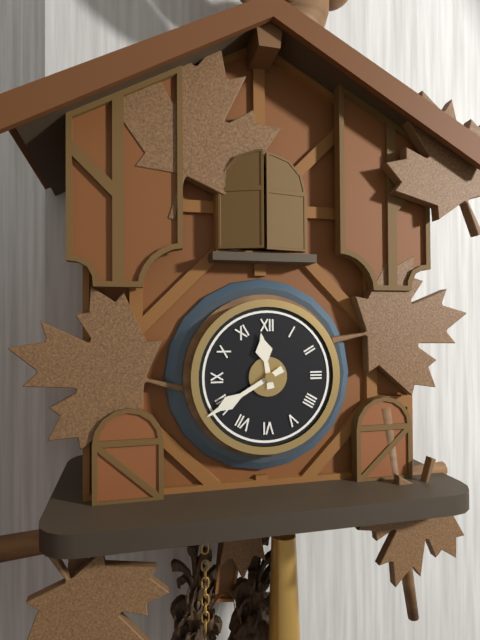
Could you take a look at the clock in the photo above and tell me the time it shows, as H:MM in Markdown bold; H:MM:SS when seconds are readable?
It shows **11:40**
